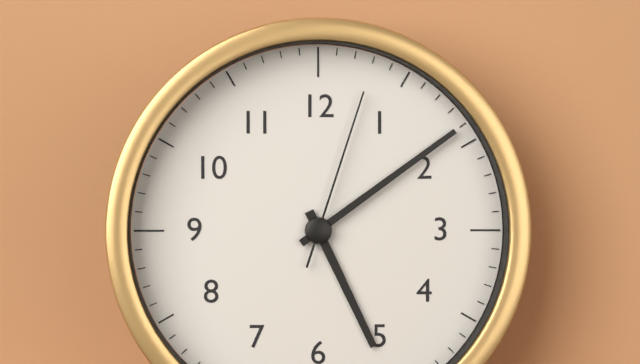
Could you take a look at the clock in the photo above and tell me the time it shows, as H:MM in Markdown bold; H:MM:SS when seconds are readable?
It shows **5:09:03**
